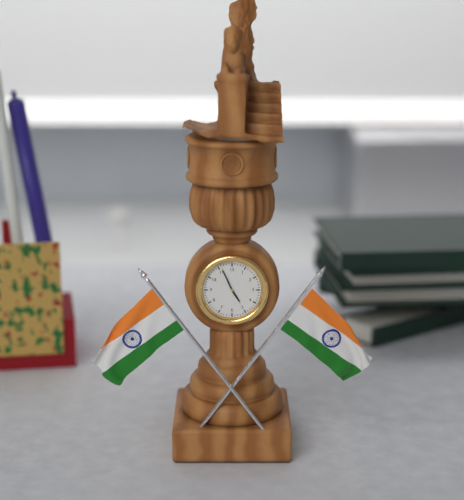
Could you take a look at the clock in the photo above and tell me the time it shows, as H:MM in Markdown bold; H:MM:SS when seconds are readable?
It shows **4:56**
